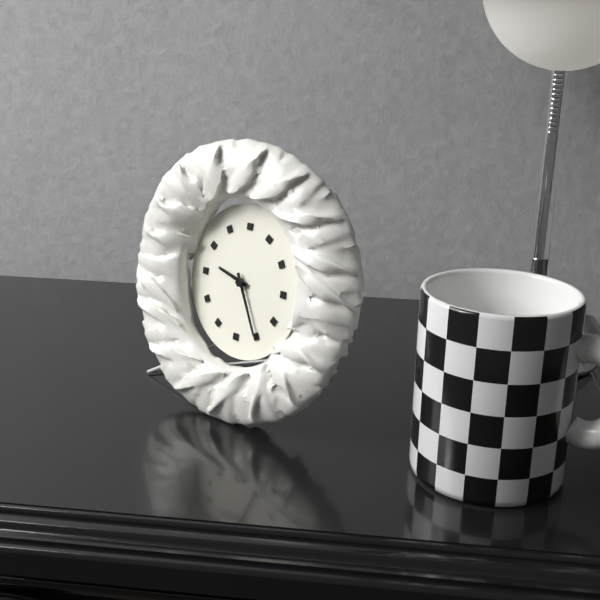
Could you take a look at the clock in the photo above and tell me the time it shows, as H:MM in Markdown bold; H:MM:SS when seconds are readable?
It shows **9:25**
